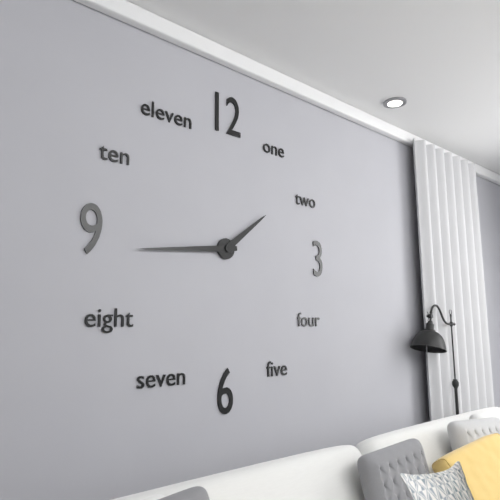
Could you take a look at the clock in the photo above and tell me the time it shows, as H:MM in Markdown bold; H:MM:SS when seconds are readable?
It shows **1:44**
